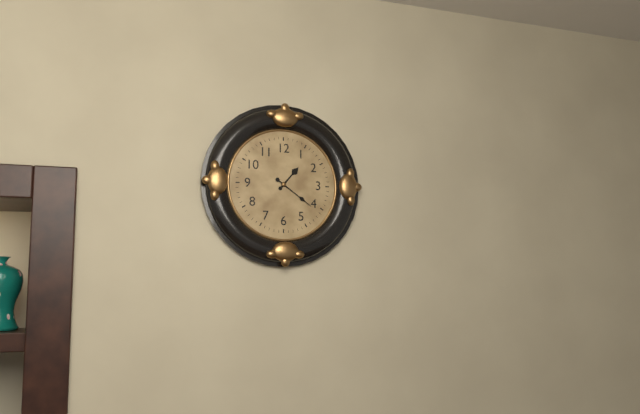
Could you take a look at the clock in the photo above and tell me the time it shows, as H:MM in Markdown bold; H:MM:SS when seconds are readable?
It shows **1:21**
